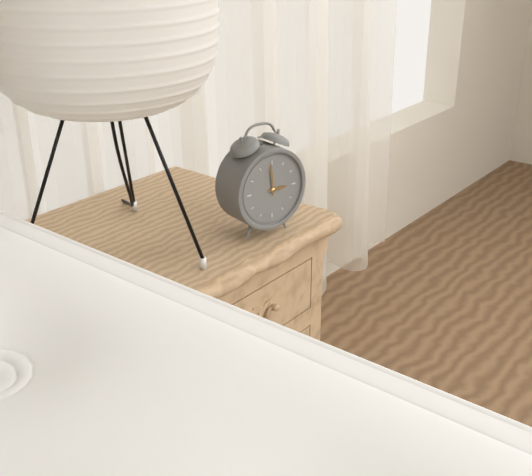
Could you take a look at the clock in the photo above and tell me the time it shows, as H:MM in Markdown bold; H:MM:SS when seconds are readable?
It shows **2:59**
